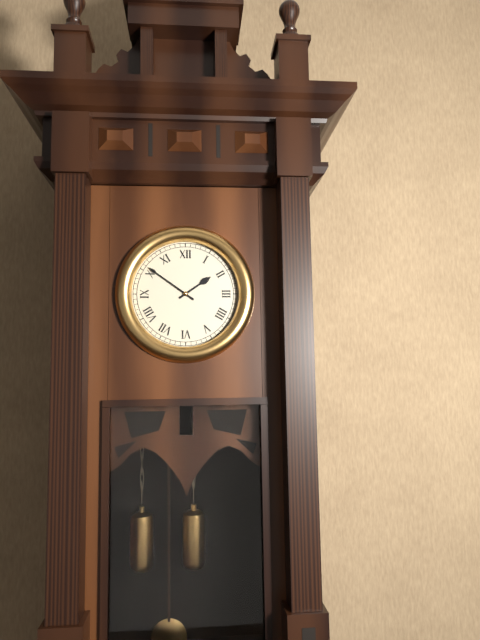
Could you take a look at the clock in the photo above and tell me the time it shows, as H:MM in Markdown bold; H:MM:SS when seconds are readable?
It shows **1:51**
